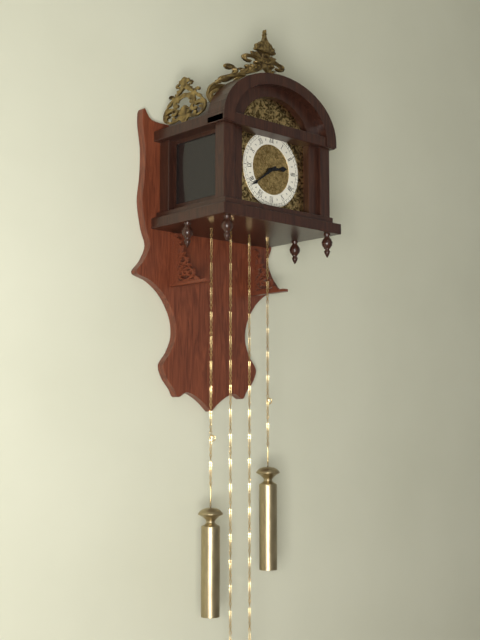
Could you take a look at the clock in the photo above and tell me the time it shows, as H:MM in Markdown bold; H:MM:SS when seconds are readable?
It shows **2:39**
